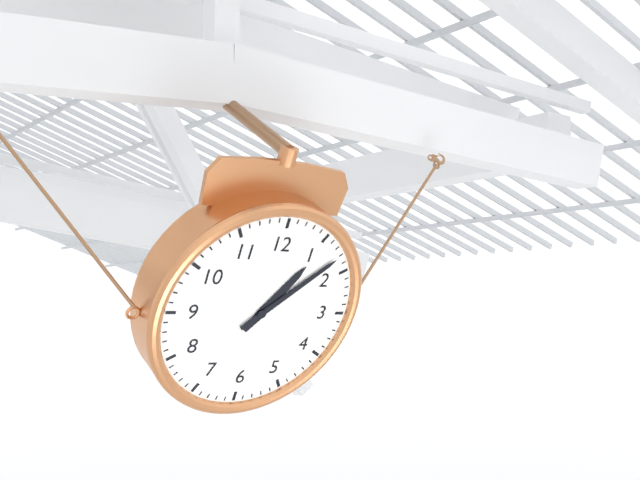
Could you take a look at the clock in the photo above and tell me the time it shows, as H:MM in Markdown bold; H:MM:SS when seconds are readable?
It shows **1:08**
